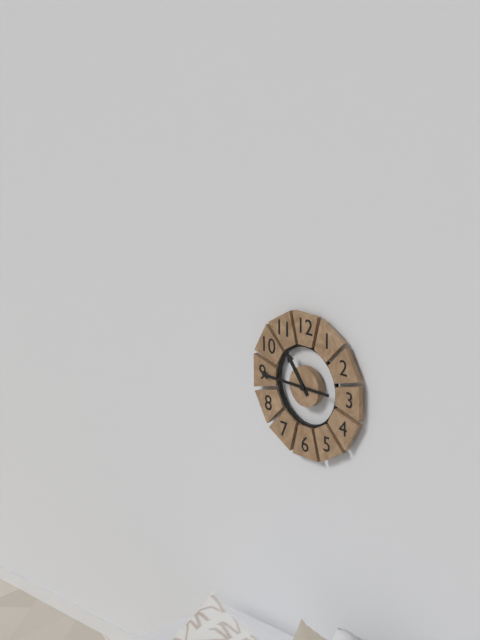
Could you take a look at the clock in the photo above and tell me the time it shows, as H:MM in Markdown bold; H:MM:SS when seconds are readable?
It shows **10:45**
